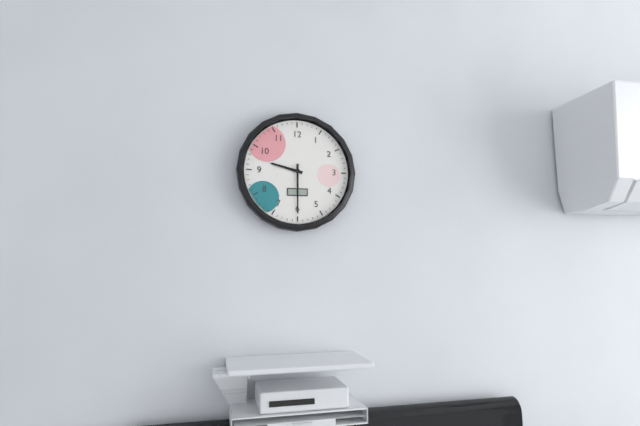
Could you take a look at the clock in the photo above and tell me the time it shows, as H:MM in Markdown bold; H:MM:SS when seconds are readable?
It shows **9:30**
